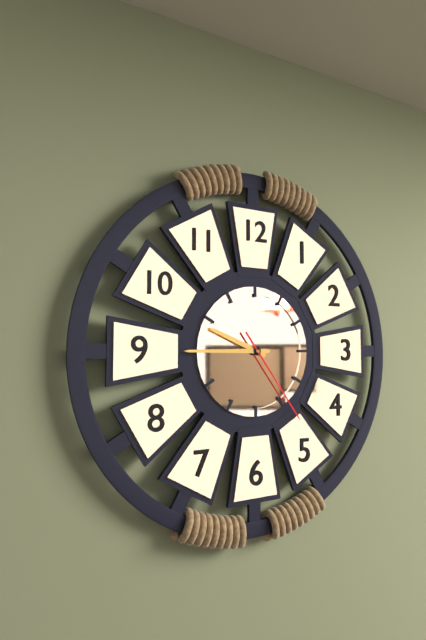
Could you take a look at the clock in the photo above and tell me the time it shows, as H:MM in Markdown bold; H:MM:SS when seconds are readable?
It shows **9:45:24**
